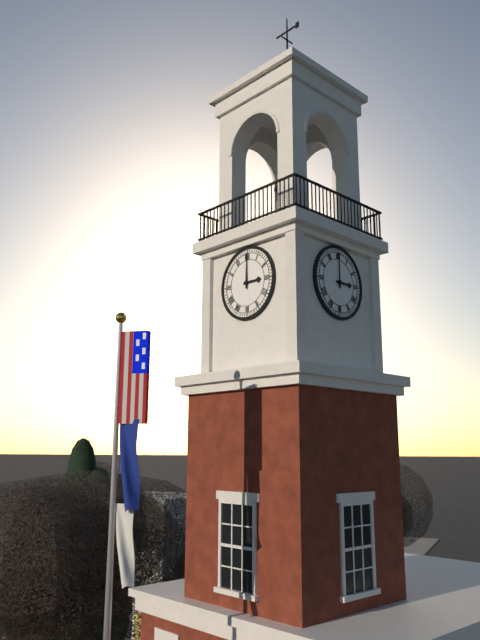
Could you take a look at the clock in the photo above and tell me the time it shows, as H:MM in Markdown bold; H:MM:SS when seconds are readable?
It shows **3:00**
